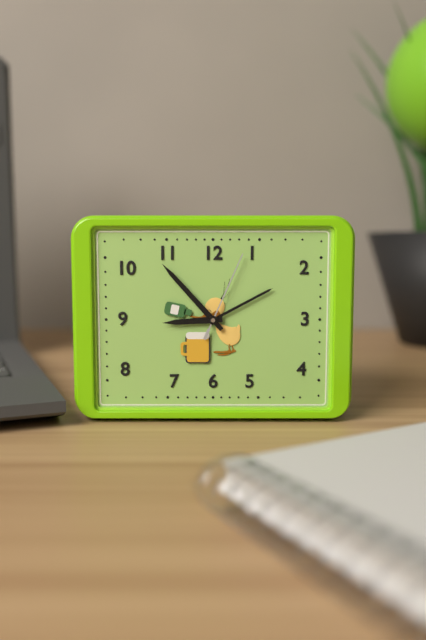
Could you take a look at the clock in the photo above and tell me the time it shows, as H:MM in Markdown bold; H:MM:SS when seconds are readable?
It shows **8:53:04**
